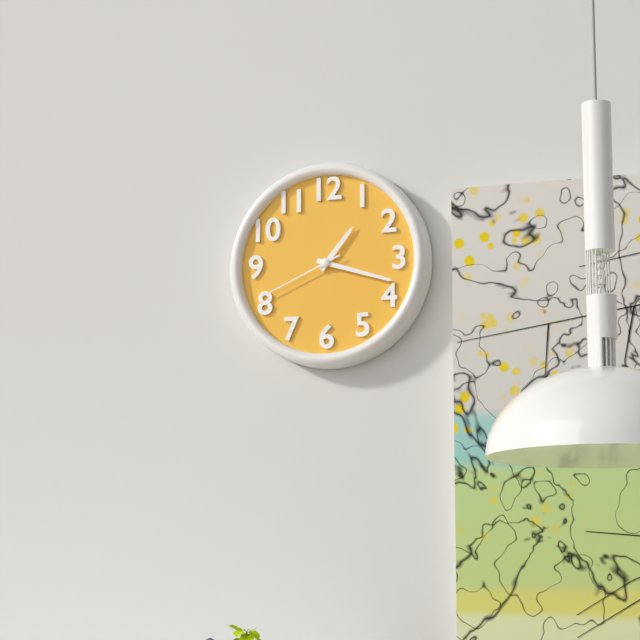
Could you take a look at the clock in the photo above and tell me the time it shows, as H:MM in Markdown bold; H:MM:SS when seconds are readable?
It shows **1:18:41**
